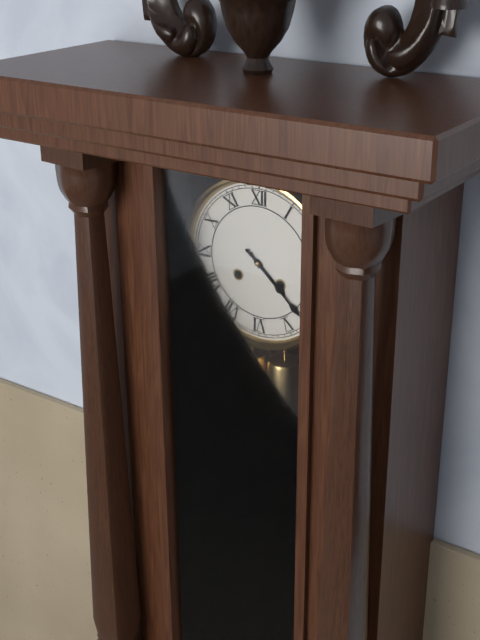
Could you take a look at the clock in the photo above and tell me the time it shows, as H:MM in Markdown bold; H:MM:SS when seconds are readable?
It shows **4:22**
